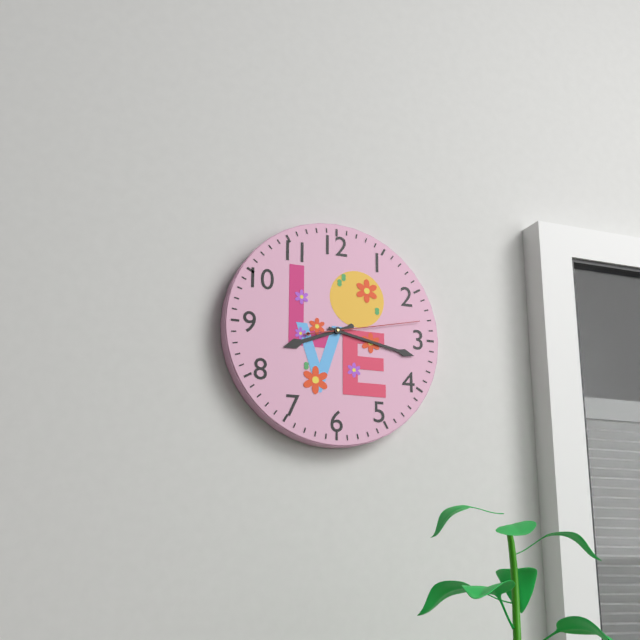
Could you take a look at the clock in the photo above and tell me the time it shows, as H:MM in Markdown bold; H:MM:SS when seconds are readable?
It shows **8:17:13**
